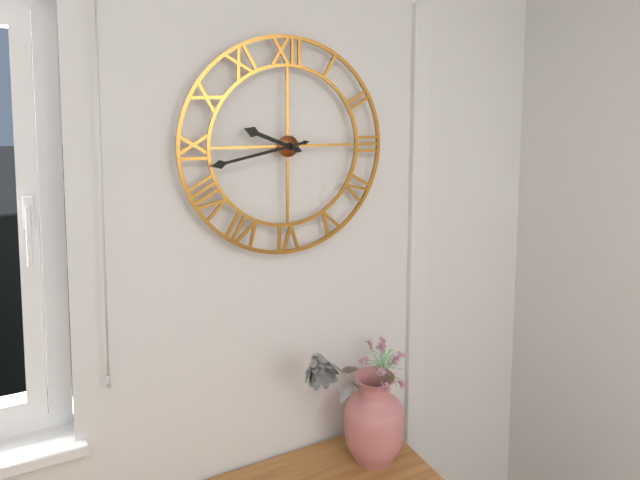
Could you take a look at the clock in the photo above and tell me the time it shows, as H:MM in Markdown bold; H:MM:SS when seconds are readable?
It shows **9:43**
